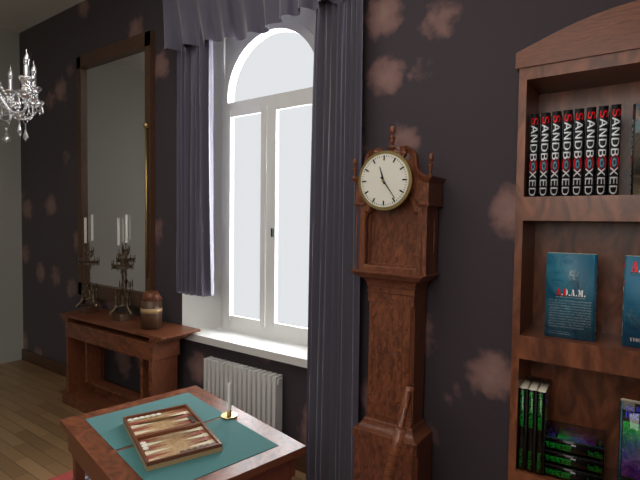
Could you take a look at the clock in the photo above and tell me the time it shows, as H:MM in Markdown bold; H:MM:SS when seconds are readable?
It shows **11:24**
